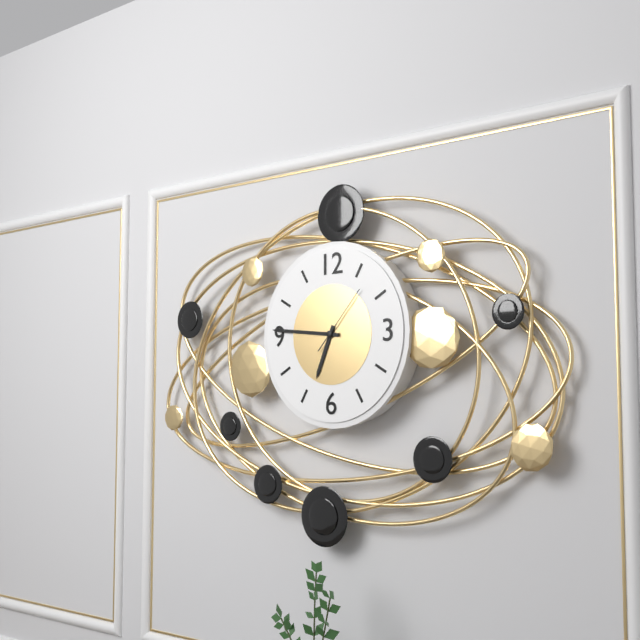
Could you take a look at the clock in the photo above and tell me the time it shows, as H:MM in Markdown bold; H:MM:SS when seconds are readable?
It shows **6:46:07**
